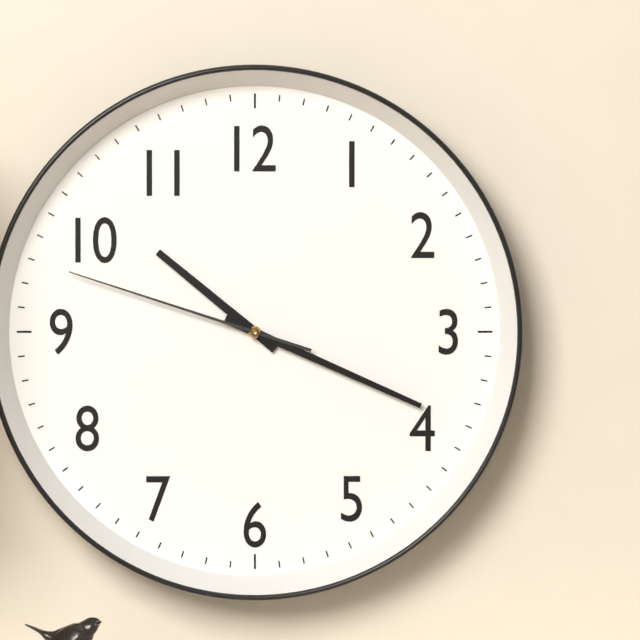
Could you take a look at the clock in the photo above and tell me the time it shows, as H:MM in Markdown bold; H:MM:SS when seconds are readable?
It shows **10:19:48**
